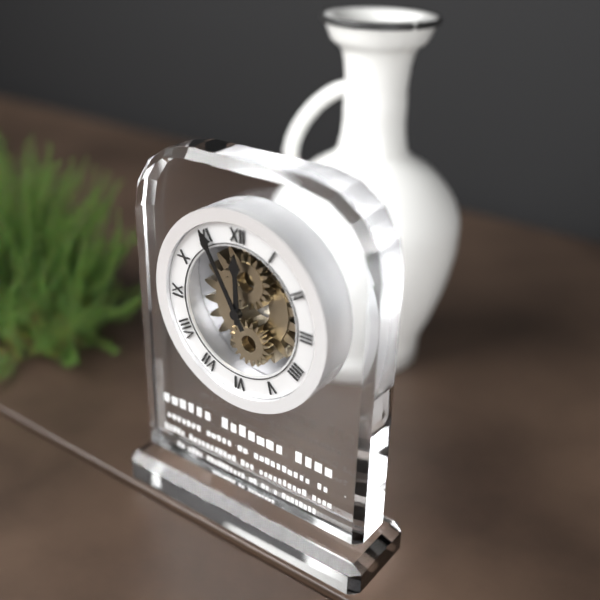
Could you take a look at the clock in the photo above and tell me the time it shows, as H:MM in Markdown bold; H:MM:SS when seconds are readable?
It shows **11:55**
